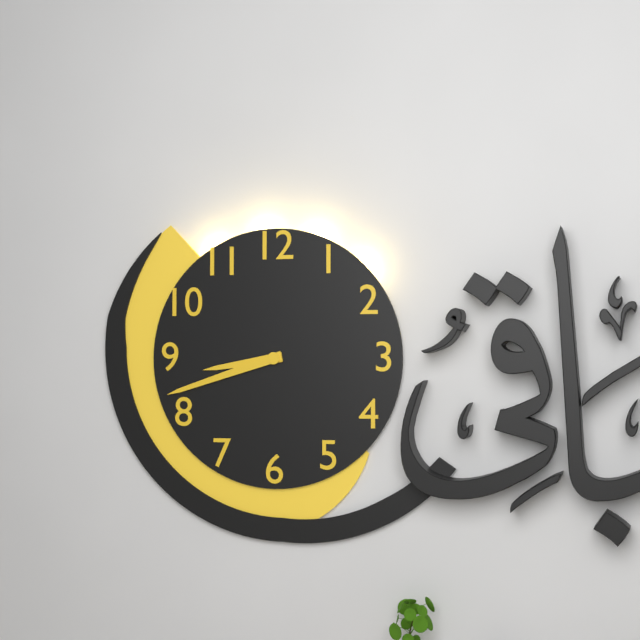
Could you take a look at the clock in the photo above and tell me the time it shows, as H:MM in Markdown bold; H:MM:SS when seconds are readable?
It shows **8:42**
